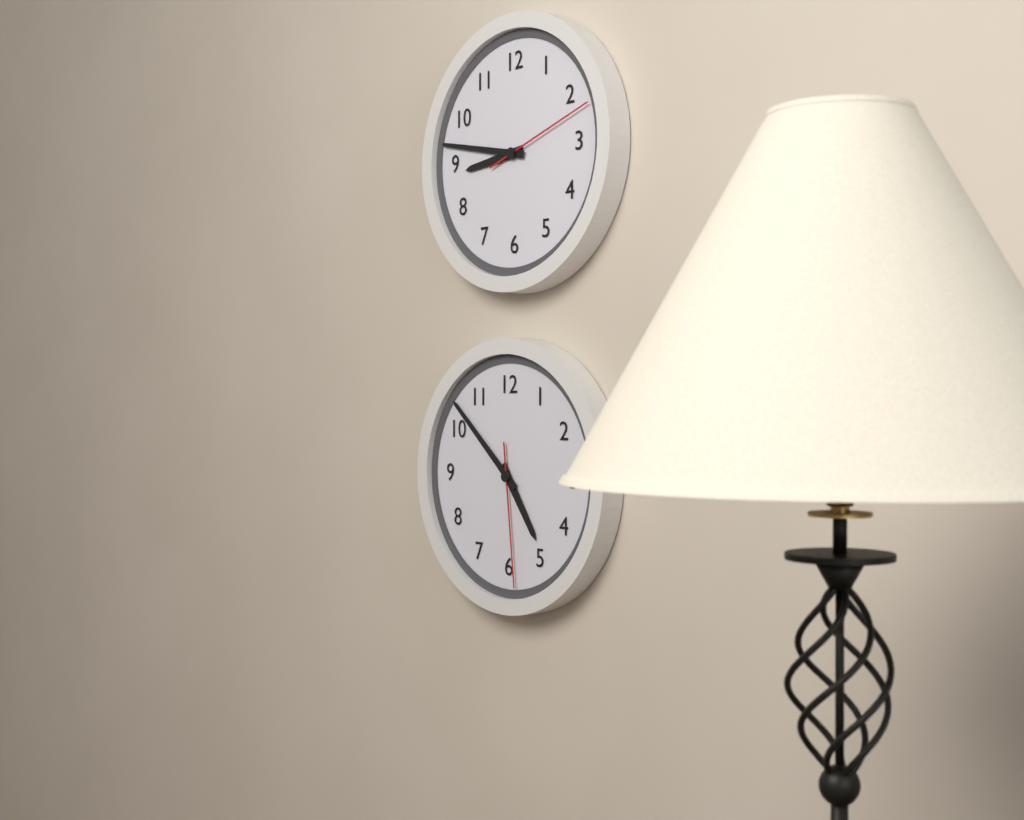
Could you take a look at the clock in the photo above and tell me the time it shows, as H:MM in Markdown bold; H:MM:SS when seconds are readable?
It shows **4:52:29**
